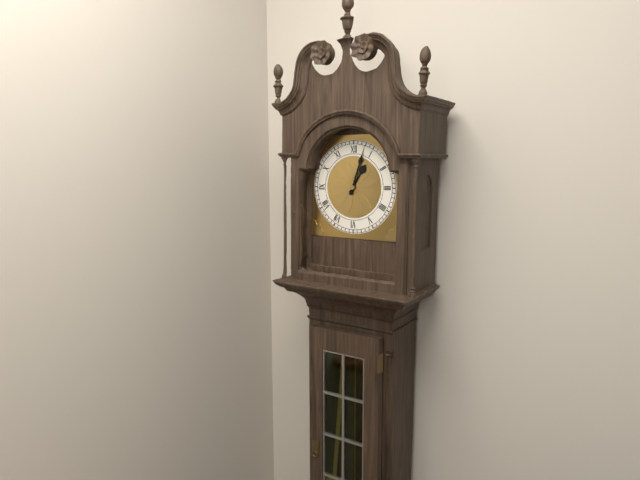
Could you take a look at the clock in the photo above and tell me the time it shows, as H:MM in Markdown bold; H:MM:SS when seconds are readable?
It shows **1:03**
